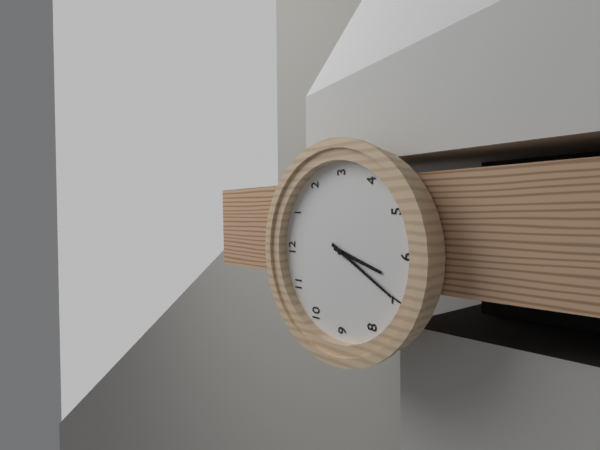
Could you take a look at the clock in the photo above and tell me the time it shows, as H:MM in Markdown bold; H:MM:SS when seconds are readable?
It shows **6:35**
